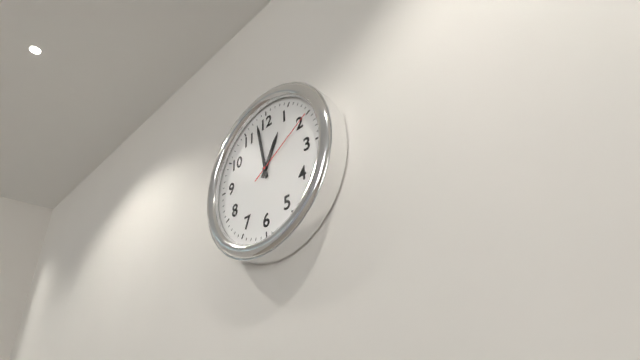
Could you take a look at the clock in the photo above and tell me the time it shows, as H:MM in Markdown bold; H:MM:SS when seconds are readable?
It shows **12:58:10**
